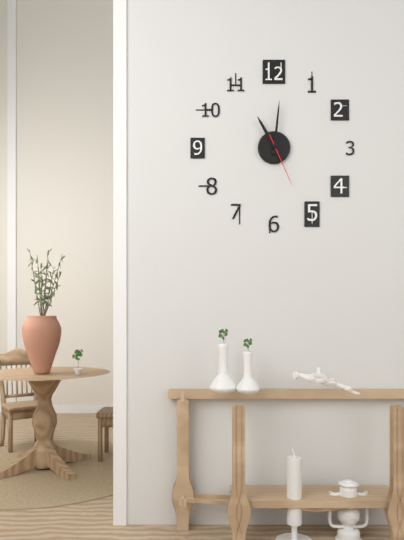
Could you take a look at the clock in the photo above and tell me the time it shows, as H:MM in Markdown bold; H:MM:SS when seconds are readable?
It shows **11:01:26**
